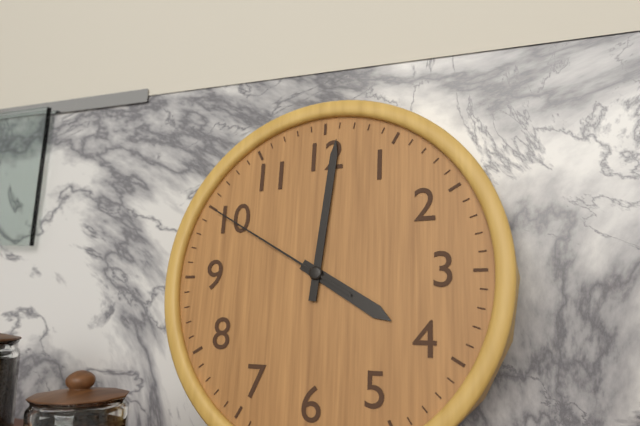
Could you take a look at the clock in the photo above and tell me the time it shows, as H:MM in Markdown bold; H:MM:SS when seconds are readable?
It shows **4:01:50**
